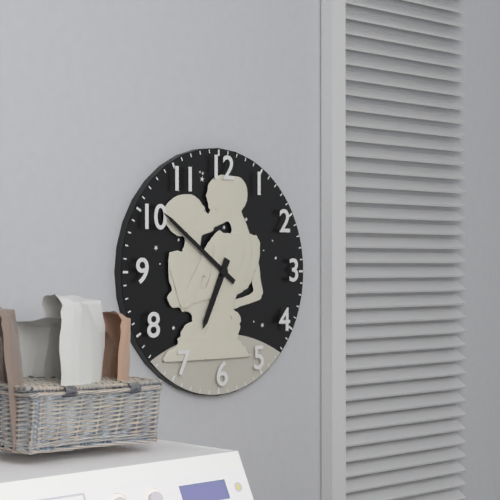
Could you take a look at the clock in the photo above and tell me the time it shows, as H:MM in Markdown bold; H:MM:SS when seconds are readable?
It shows **6:51**
